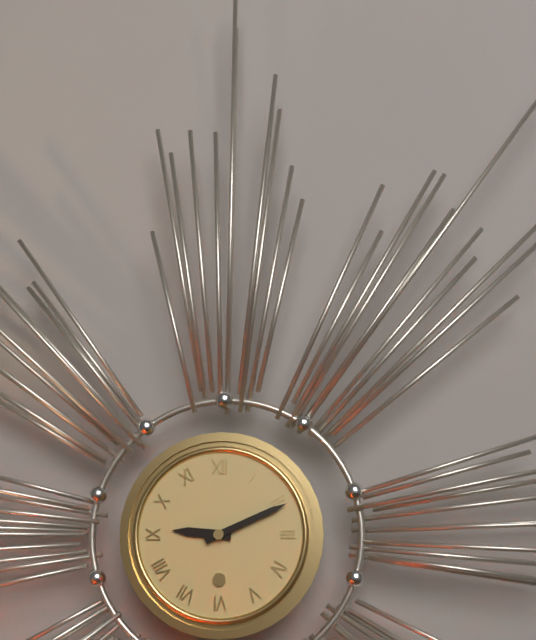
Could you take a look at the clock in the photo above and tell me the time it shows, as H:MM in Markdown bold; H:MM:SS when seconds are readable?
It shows **9:11**
